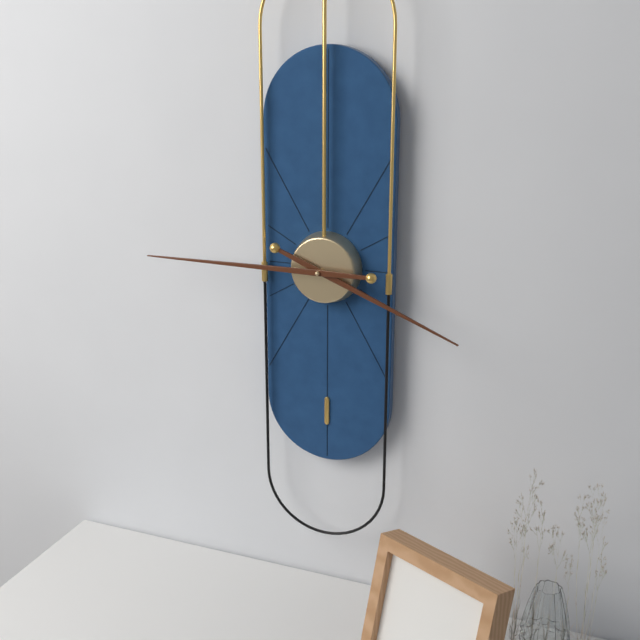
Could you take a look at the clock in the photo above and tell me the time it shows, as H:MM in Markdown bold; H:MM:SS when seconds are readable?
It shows **3:45**
